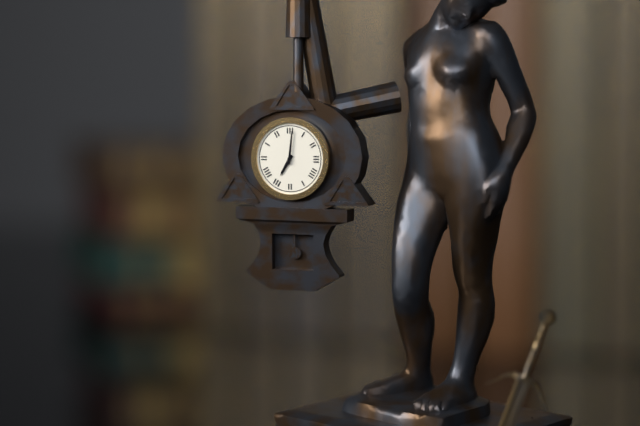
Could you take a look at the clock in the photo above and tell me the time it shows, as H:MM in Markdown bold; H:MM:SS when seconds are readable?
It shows **7:01**
